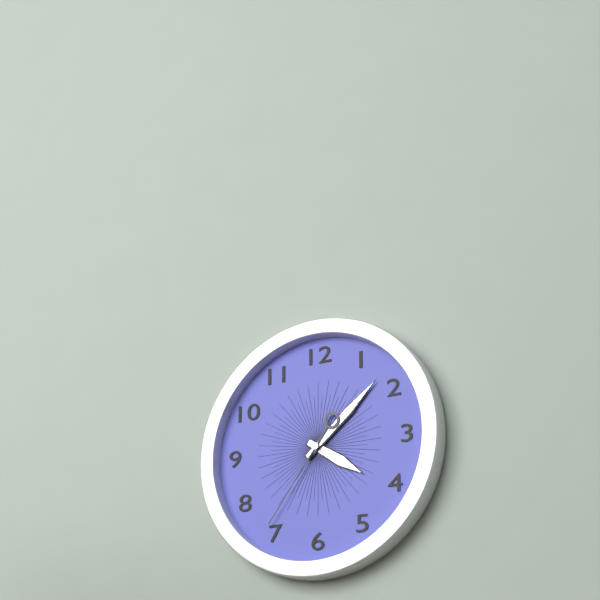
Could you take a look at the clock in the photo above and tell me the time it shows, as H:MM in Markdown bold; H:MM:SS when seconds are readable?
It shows **4:08:36**
